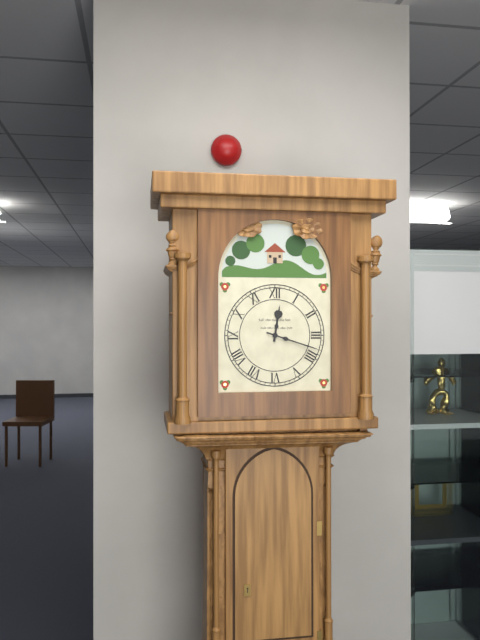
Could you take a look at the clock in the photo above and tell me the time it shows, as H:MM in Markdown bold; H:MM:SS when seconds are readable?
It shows **12:18**
